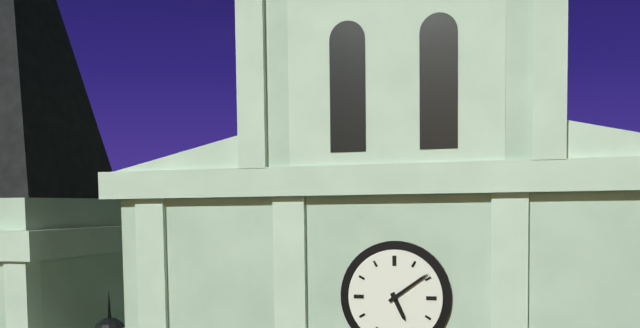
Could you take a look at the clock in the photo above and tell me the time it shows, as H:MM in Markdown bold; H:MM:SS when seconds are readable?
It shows **5:09**
